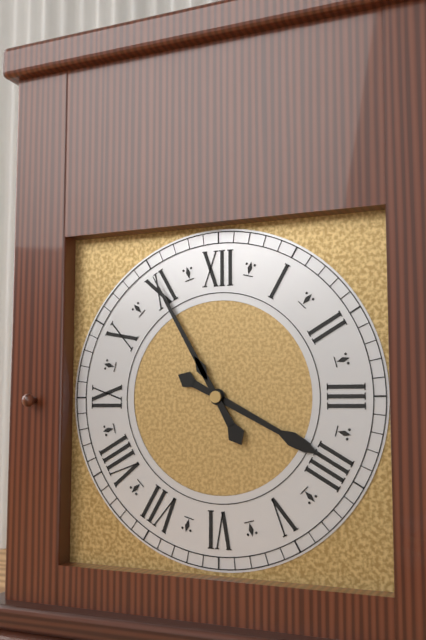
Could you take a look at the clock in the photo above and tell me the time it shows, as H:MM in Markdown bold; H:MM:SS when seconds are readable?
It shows **3:55**
